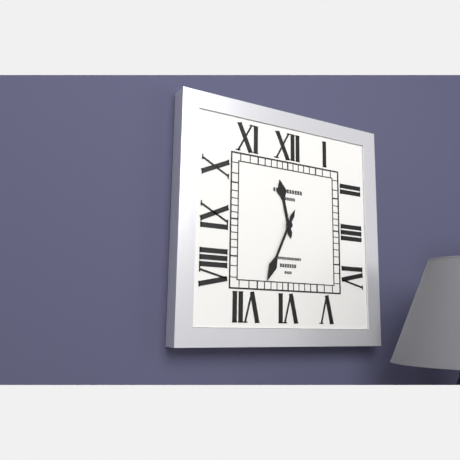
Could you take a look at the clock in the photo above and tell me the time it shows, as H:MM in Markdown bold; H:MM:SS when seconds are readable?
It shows **11:34**
